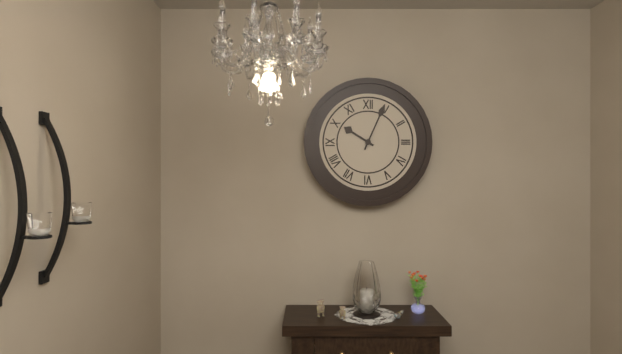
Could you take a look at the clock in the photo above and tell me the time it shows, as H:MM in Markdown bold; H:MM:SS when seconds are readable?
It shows **10:04**
